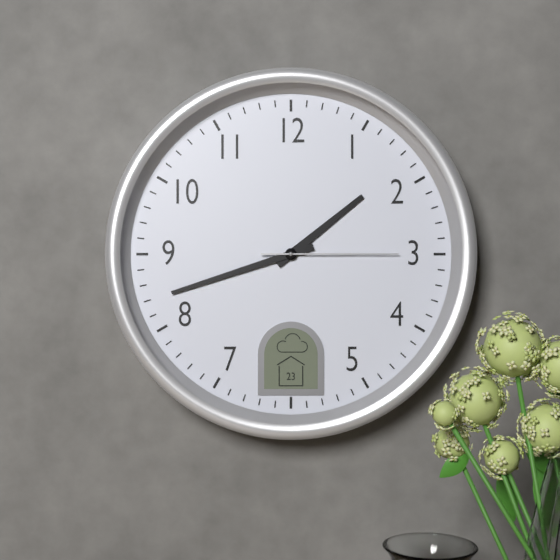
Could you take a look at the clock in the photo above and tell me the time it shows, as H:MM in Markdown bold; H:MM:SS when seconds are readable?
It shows **1:42:15**
